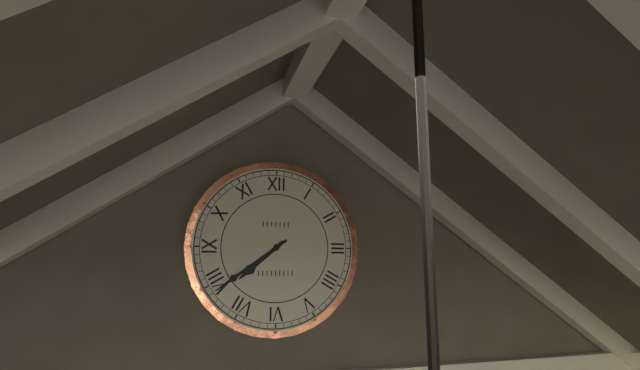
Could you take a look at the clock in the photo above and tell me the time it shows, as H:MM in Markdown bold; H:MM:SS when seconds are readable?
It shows **7:39**
